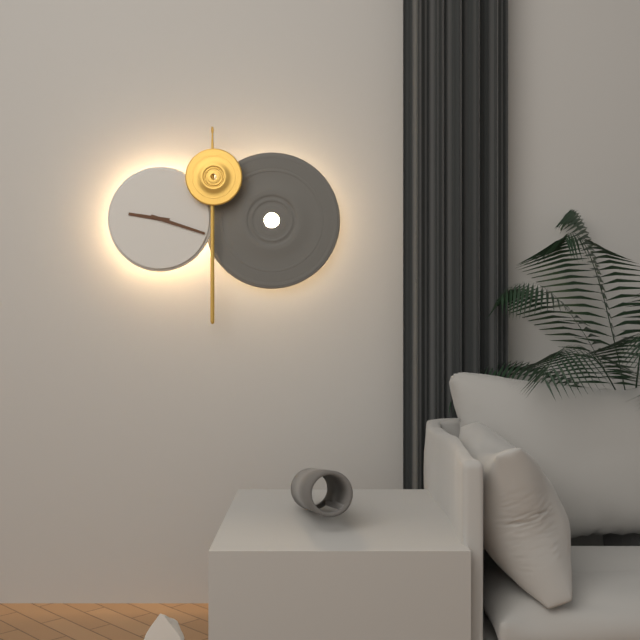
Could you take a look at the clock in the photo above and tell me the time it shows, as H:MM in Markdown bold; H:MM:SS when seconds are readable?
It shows **9:18**
